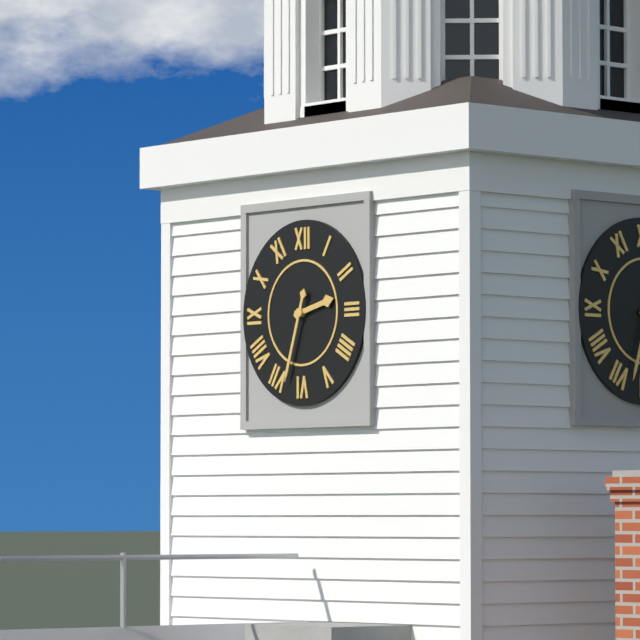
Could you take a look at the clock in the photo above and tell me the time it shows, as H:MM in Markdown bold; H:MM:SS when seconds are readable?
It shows **2:33**
